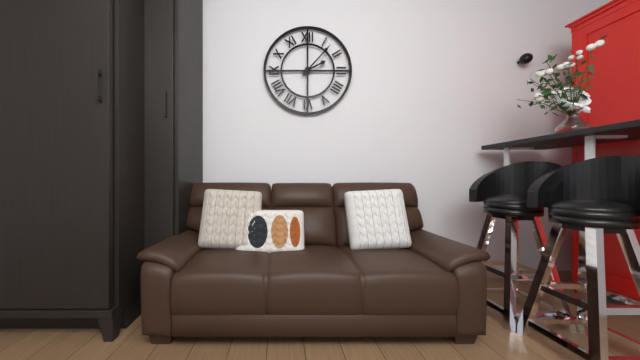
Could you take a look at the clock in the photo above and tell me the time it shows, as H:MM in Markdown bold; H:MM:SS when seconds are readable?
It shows **2:07**
